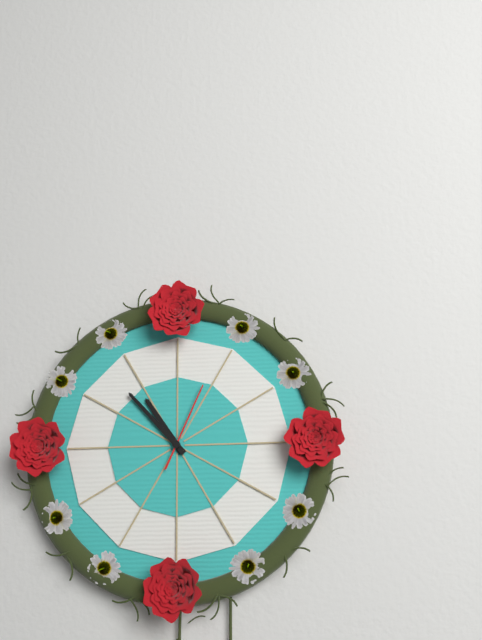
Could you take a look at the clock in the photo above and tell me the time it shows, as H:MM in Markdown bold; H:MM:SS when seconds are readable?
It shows **10:53:04**
